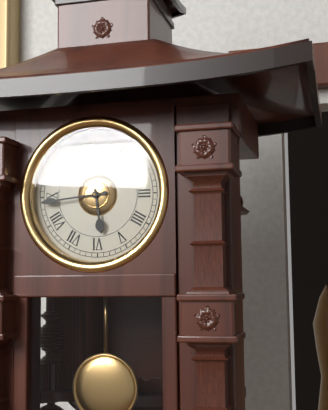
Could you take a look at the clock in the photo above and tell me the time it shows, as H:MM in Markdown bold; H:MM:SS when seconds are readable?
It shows **5:44**
